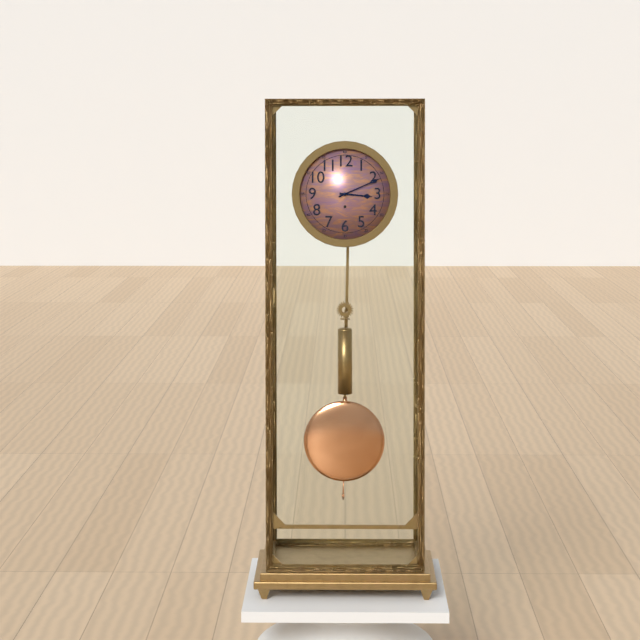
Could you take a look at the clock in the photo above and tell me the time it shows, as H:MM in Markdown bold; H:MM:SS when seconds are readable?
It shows **3:11**
